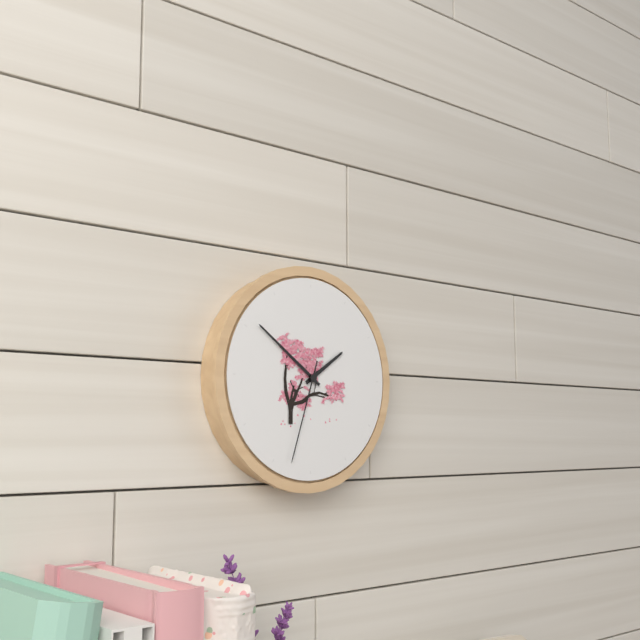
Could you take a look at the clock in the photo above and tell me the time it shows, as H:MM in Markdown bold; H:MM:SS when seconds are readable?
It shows **1:51:33**
